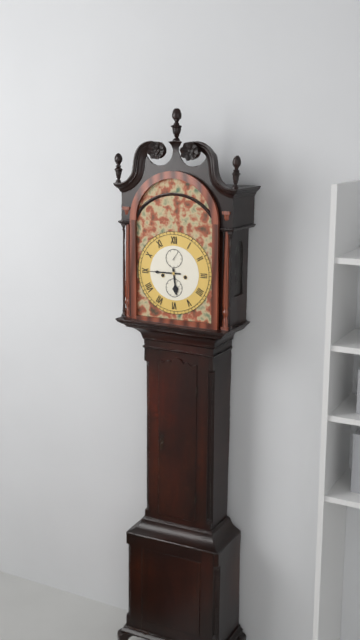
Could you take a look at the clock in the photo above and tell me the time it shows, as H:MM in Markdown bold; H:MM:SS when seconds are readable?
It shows **5:45**
